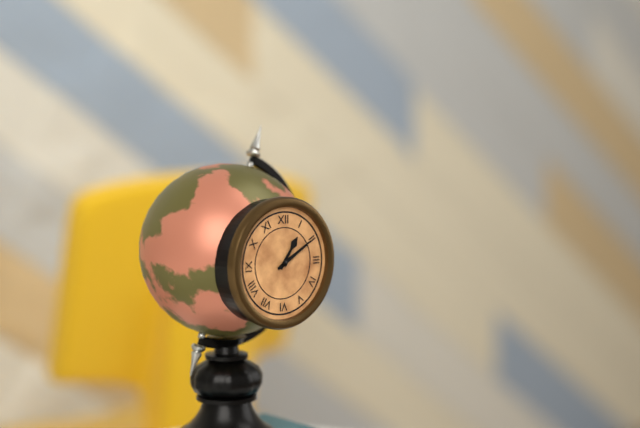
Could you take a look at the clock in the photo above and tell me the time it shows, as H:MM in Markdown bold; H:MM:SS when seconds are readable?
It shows **1:10**
